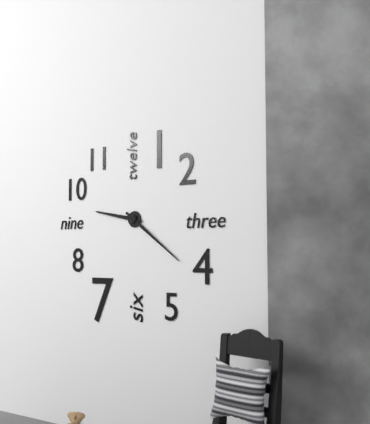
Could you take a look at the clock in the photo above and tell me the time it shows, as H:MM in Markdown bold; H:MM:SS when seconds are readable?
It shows **9:21**
